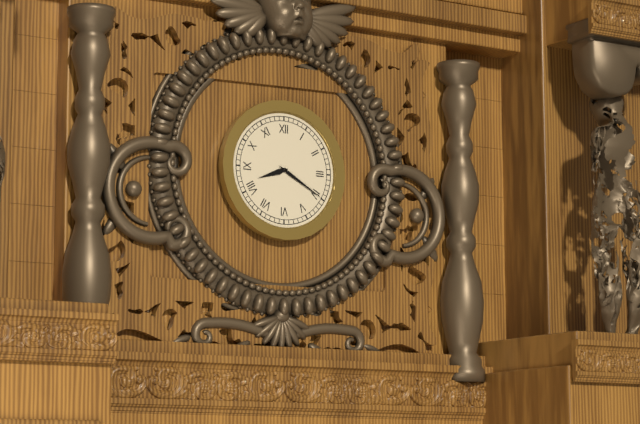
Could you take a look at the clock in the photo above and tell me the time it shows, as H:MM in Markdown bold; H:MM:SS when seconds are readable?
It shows **8:20**
